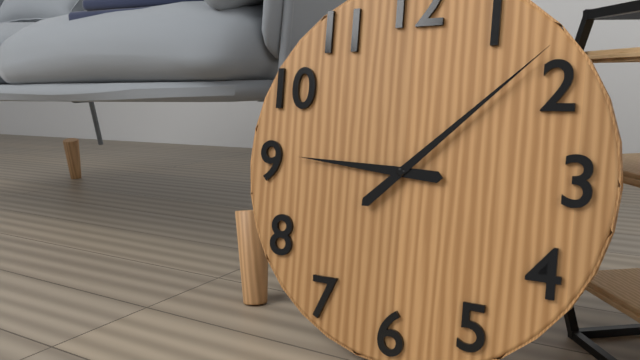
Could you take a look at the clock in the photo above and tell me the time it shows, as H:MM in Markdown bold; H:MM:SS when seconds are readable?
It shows **9:08**
